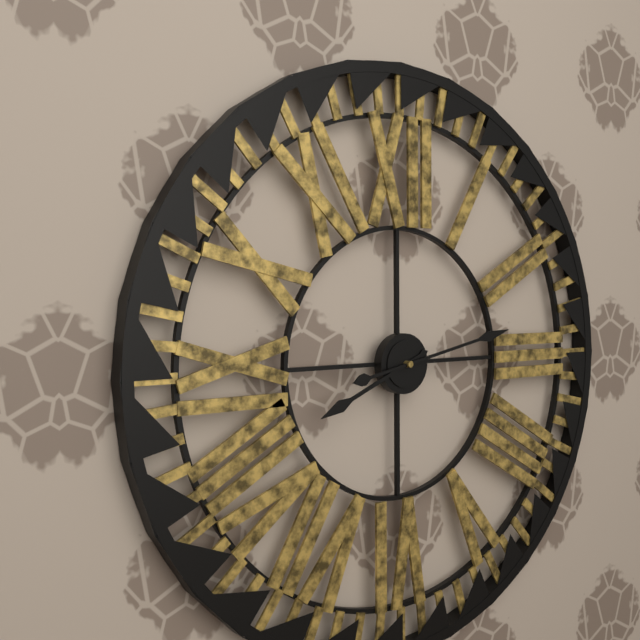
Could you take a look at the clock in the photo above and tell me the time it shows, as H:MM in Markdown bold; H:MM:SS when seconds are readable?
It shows **8:13**
